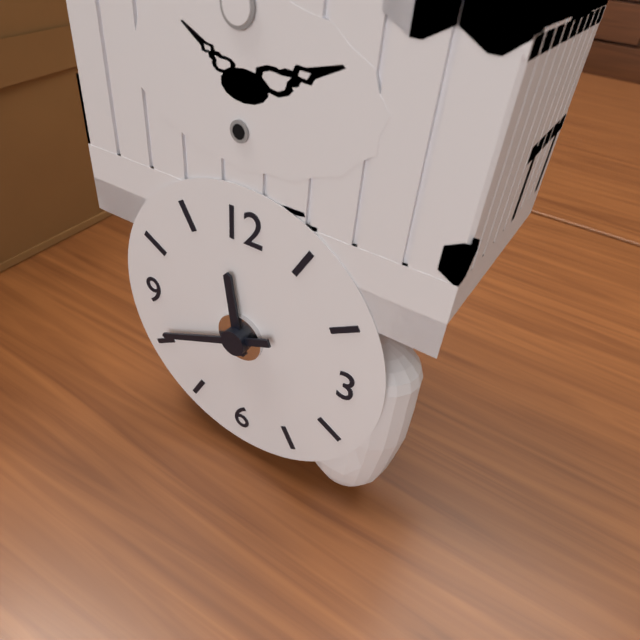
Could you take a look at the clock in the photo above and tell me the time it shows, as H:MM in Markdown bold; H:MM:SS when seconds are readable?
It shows **11:41**
